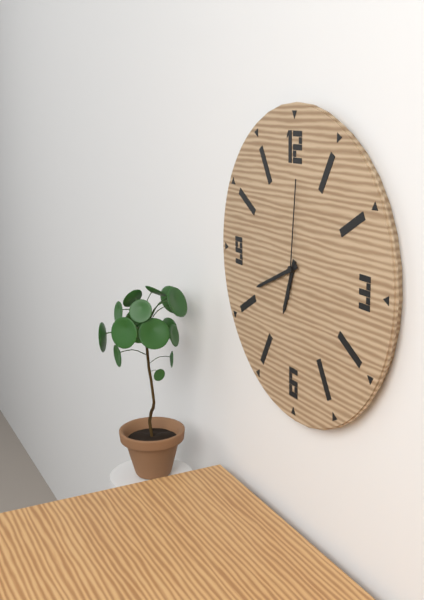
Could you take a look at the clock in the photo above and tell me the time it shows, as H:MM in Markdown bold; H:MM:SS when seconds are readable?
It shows **6:41:01**
